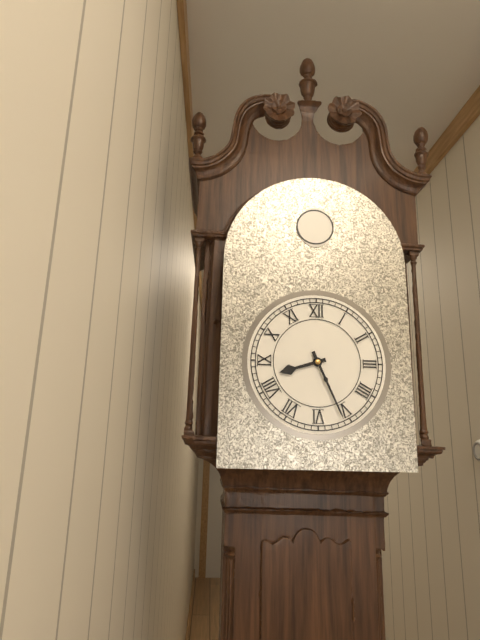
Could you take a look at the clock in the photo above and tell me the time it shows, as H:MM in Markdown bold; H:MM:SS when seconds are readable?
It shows **8:26**
